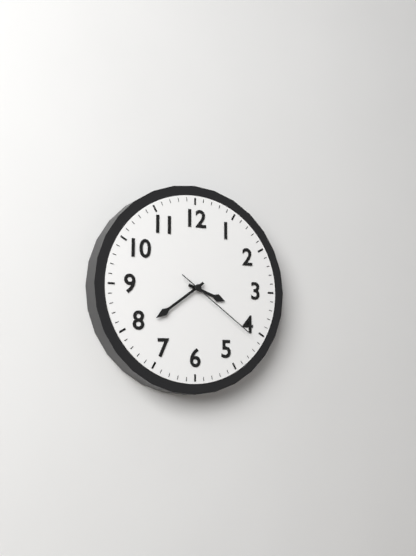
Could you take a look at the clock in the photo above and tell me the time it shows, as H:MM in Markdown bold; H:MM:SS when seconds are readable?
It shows **3:39:21**
